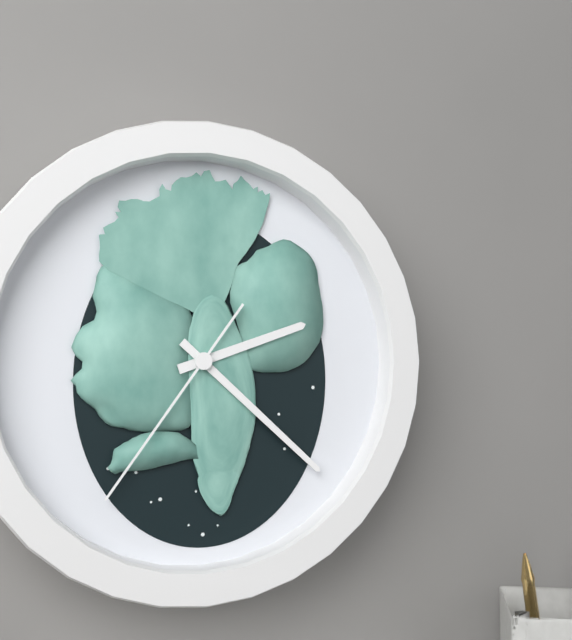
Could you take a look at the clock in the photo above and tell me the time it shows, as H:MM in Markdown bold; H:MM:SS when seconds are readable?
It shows **2:22:36**
